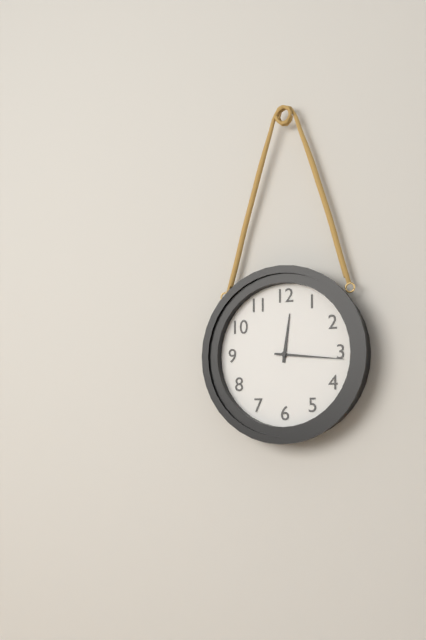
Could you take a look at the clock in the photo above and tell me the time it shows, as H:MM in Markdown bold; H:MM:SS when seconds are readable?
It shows **12:16**
